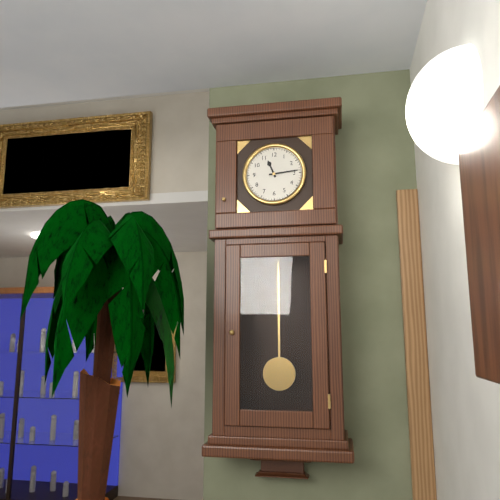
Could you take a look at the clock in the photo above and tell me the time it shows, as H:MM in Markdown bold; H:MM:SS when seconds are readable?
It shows **11:14**
